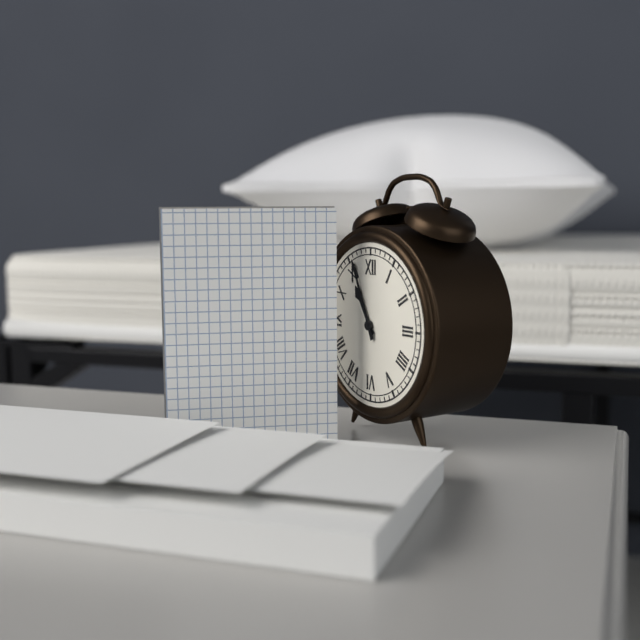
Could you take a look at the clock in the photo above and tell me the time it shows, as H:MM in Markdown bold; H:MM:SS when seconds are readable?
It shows **10:56**
